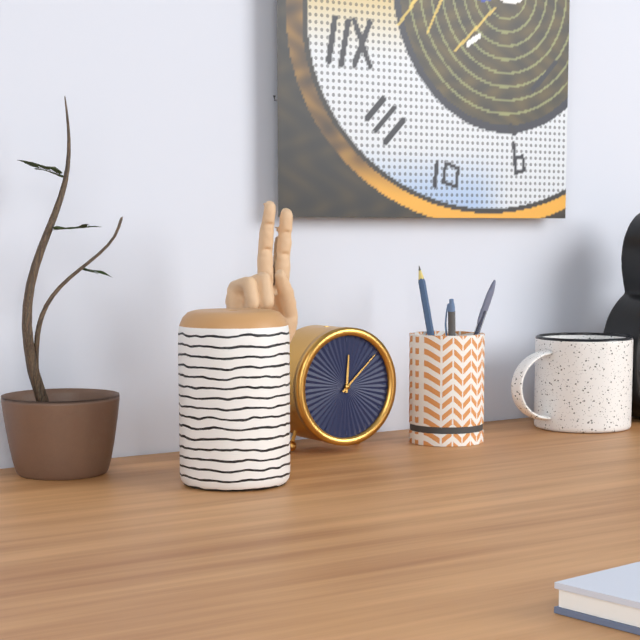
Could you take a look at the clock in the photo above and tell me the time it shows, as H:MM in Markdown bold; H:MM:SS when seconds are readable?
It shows **12:08**
